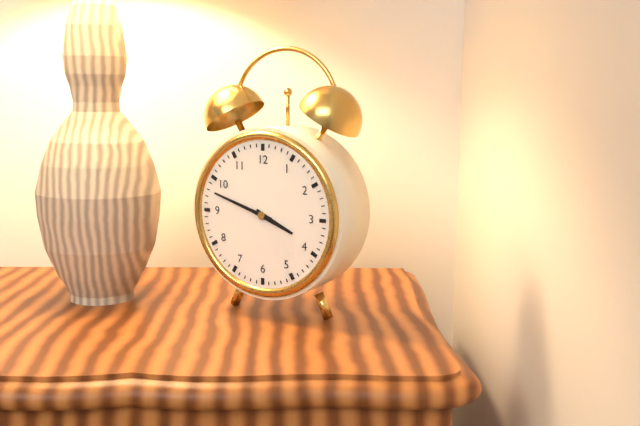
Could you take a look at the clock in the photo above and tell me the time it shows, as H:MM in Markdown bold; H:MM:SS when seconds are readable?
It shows **3:48**
